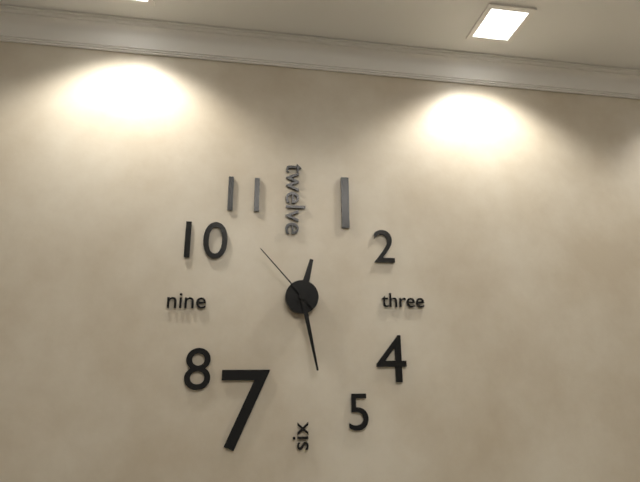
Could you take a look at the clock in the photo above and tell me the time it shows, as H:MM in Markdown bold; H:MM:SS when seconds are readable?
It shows **12:28:53**
